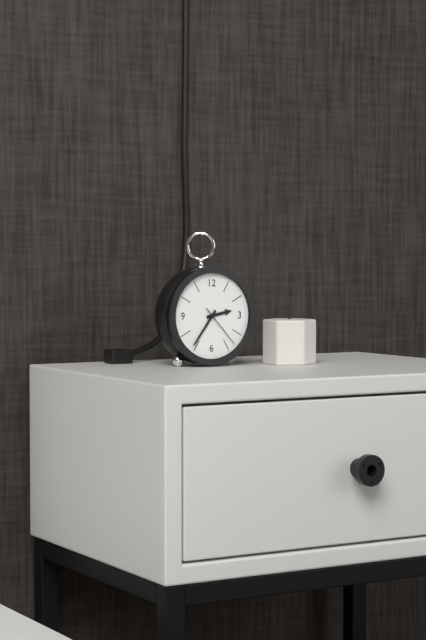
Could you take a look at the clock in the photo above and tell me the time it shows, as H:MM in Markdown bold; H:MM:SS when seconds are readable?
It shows **2:36**
